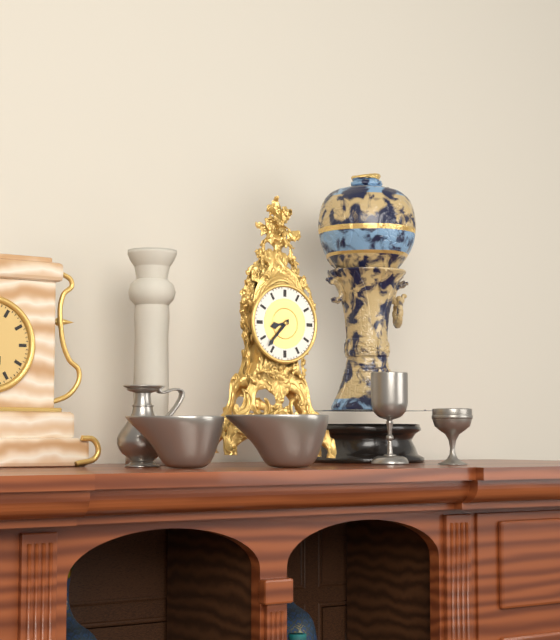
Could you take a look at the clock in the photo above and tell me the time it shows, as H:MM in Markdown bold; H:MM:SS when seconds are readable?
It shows **8:37**
